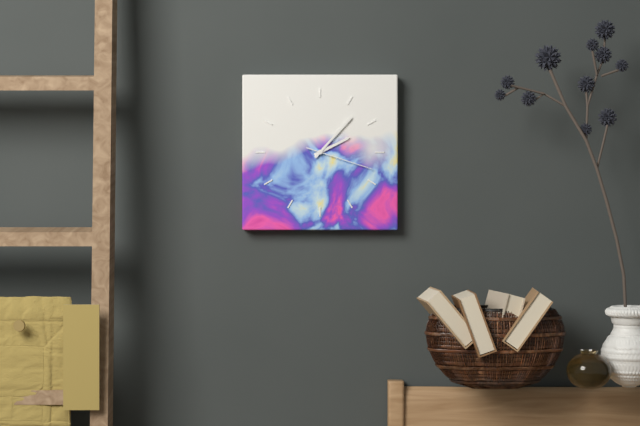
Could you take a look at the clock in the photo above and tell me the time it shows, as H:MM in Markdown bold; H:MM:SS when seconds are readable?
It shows **2:07:18**
